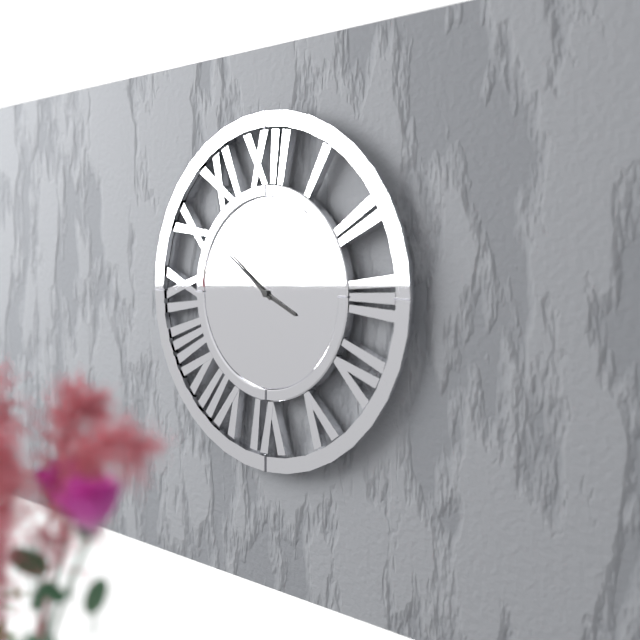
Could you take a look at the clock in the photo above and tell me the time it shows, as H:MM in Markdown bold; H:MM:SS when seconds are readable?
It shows **3:51**
